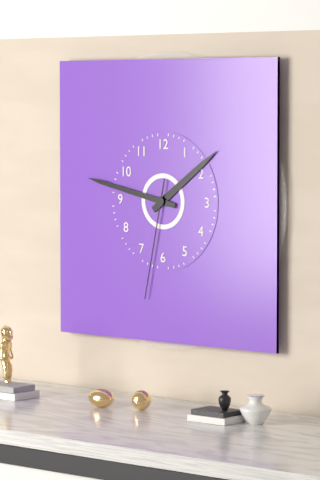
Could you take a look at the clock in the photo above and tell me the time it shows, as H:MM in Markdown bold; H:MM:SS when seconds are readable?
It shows **1:47:32**
